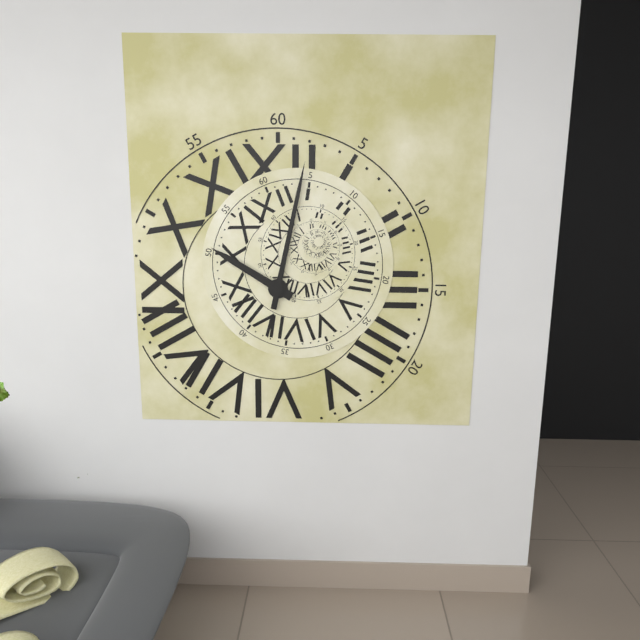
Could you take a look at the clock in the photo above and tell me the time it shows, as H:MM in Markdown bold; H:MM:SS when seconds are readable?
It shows **10:02**
